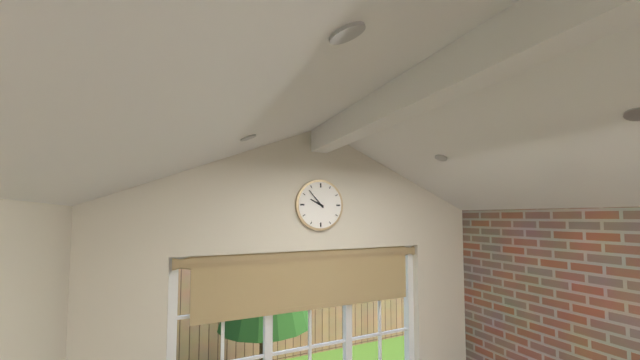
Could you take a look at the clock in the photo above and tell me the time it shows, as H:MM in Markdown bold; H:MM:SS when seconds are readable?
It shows **9:53**
